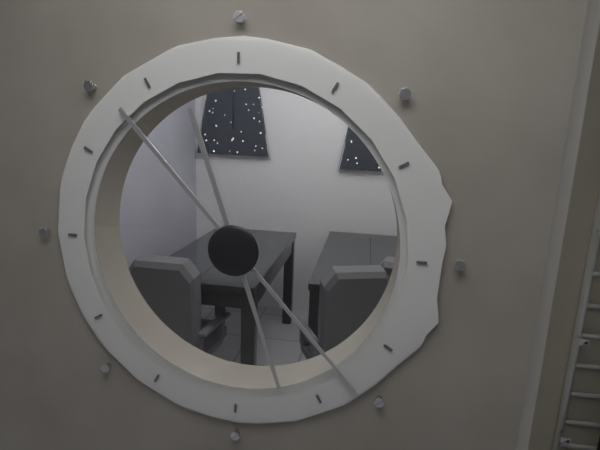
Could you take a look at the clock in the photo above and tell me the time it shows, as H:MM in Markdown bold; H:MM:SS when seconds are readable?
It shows **5:23**
